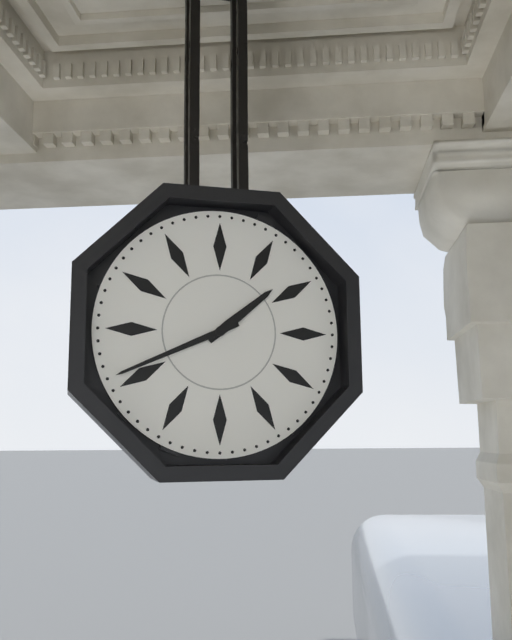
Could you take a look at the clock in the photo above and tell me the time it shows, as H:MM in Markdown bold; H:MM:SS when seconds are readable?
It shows **1:41**
